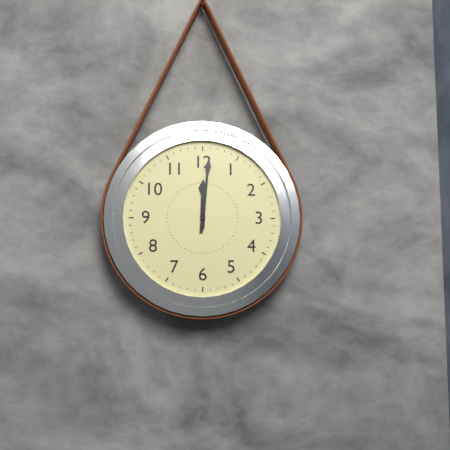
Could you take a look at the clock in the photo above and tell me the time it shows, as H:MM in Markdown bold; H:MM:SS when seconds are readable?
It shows **12:01**
